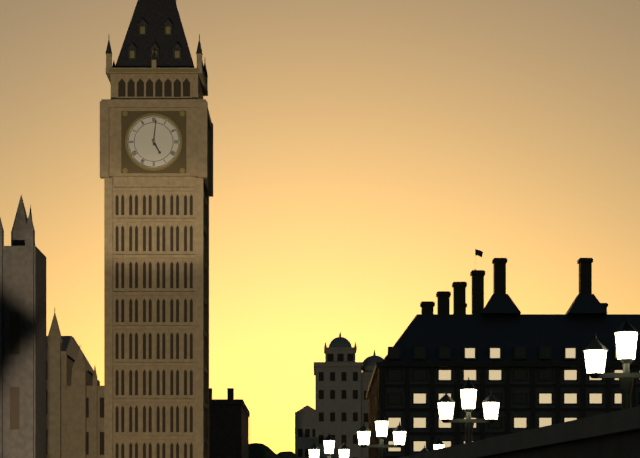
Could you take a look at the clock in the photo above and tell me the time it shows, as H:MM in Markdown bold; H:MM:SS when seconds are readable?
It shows **5:01**
